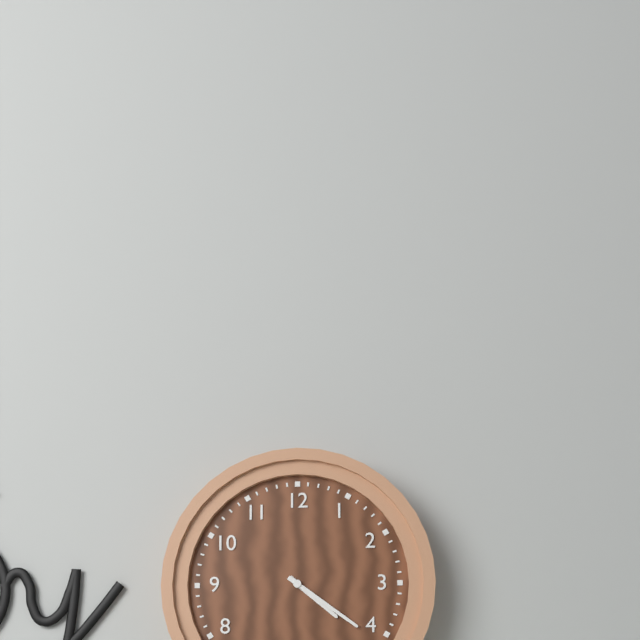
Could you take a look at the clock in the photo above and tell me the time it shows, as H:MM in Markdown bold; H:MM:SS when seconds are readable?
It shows **4:21**
